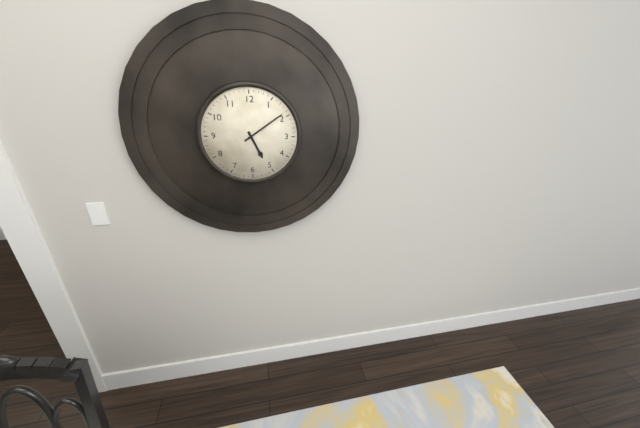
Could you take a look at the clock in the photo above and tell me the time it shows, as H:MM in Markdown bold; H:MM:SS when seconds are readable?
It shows **5:09**
